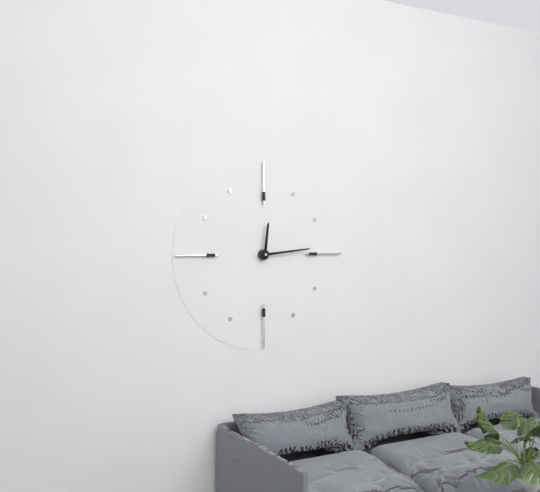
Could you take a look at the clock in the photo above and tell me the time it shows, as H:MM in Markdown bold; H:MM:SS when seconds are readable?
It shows **12:14**
